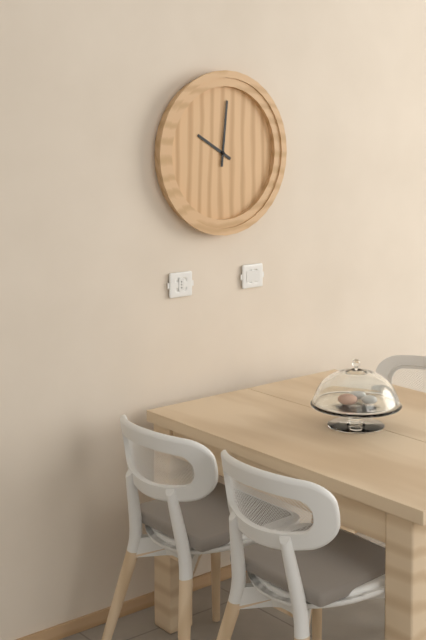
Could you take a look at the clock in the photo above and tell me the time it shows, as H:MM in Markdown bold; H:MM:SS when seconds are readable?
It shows **10:01**
